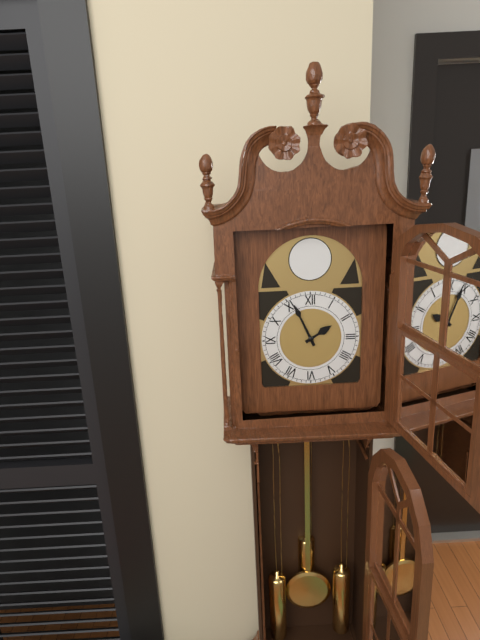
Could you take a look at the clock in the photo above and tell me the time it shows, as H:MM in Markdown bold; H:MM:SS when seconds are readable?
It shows **1:56**
